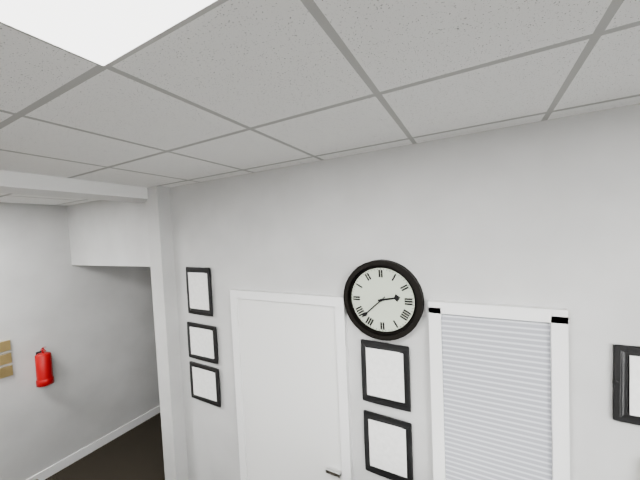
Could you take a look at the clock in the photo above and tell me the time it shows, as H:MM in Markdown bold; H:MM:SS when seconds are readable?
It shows **2:38**
